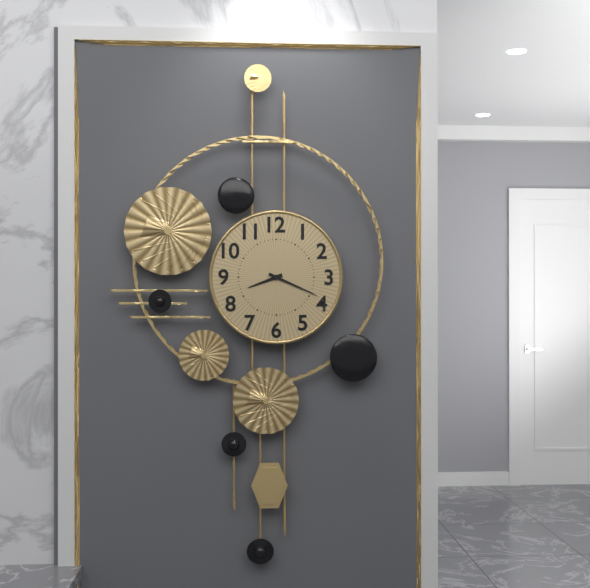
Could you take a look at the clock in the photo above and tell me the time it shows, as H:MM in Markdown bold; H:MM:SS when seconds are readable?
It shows **8:19**
